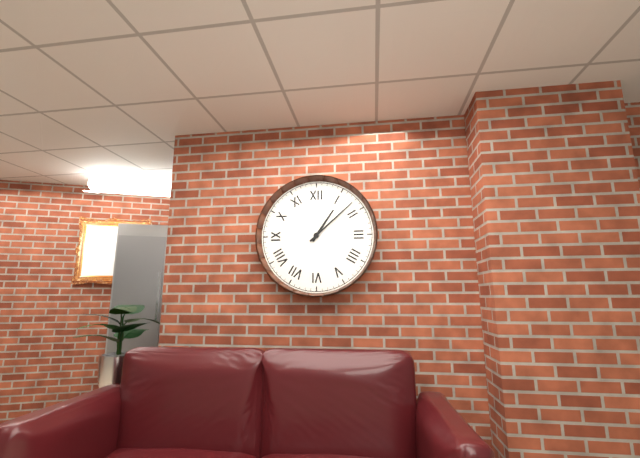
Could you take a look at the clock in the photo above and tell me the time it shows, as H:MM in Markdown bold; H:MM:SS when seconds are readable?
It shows **1:08**
